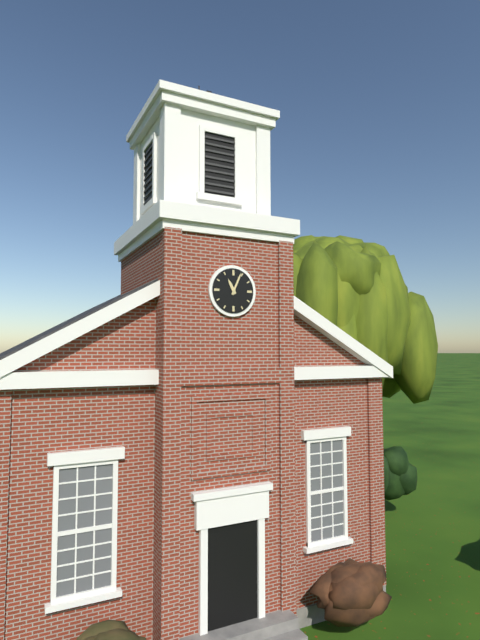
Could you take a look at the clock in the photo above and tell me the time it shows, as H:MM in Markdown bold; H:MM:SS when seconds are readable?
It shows **11:04**
